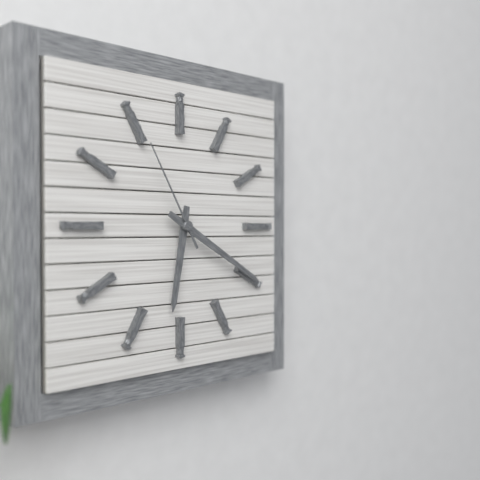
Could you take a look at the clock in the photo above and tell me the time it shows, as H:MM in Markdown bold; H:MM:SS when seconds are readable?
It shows **6:20:55**
